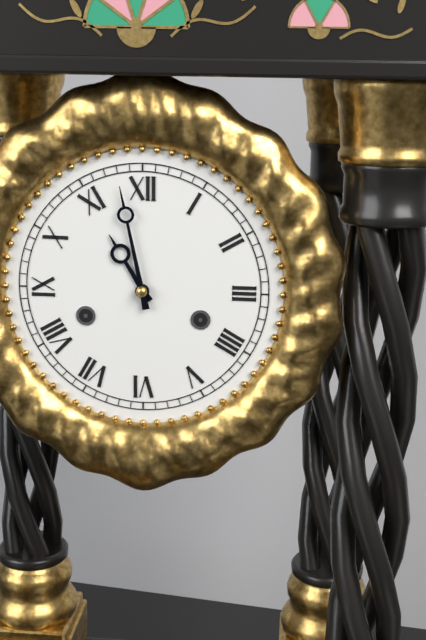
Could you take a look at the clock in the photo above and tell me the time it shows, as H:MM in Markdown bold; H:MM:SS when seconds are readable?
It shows **10:58**
